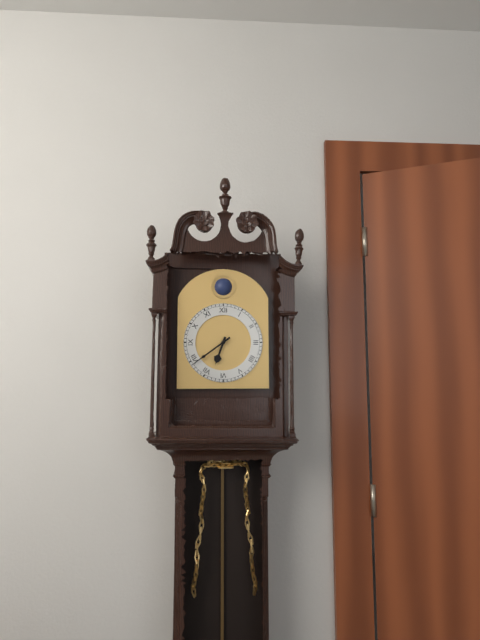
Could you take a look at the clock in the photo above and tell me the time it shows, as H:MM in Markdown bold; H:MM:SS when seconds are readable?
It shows **6:39**
